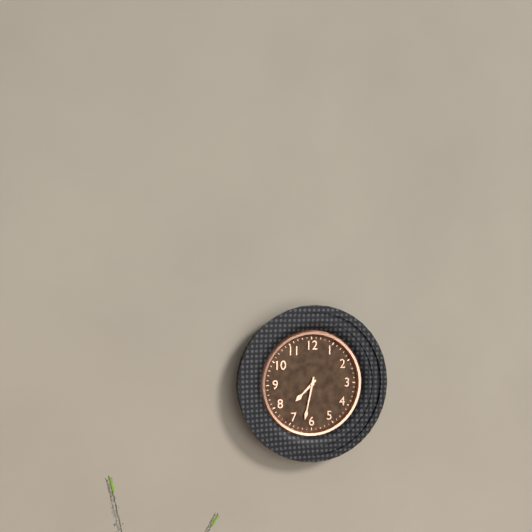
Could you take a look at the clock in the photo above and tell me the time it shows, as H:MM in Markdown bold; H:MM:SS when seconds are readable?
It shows **7:32**
